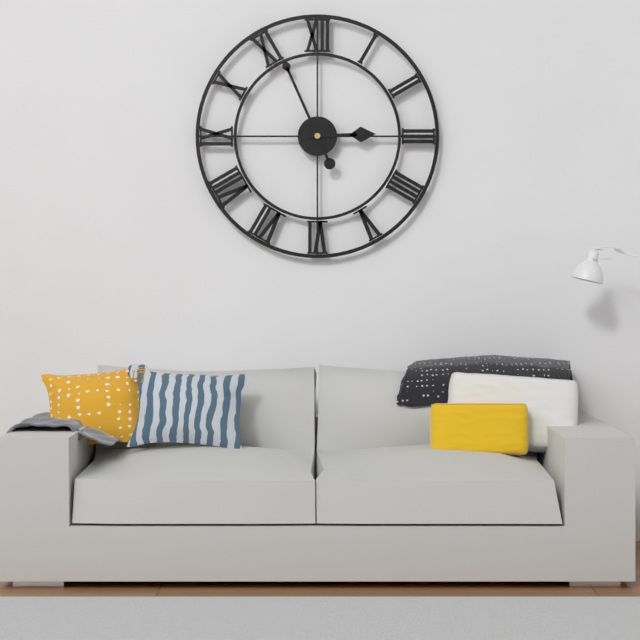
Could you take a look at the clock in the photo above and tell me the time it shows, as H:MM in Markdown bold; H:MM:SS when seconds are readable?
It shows **2:56**
